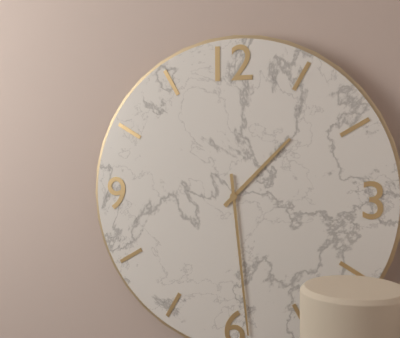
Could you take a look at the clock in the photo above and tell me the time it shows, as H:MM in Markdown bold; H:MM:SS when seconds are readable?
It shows **1:29**
